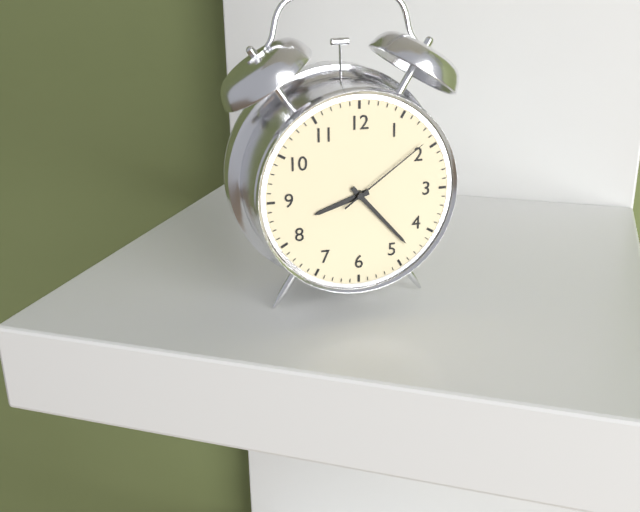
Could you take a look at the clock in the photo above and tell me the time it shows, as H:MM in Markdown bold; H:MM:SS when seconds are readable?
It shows **8:23:09**
